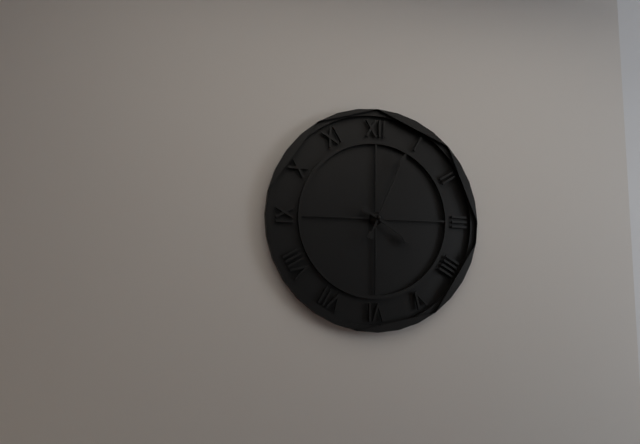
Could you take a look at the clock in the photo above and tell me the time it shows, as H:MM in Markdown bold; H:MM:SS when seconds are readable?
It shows **4:04**
